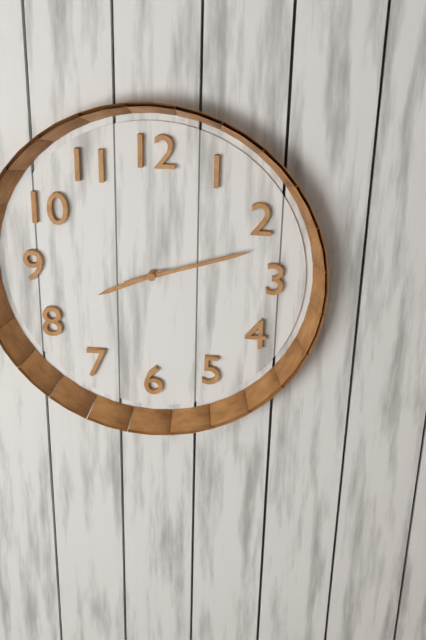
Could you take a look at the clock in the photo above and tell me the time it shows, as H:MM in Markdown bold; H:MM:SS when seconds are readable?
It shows **8:12**
